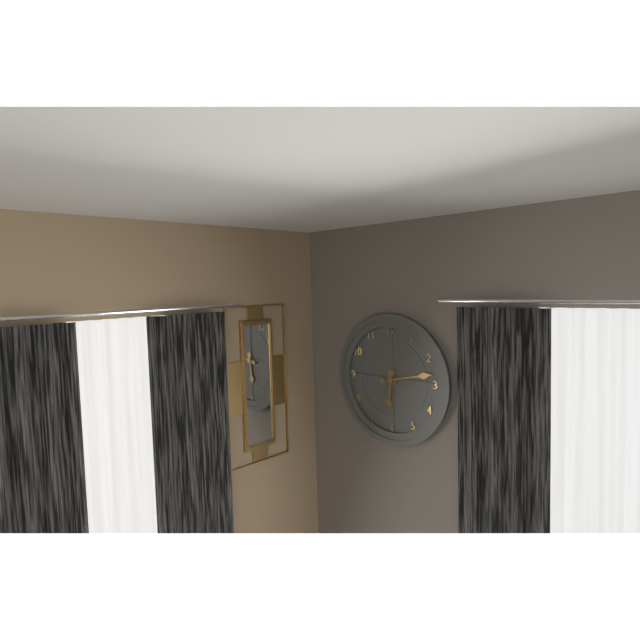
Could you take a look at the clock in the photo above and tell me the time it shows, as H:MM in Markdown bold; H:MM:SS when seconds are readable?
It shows **6:13**
